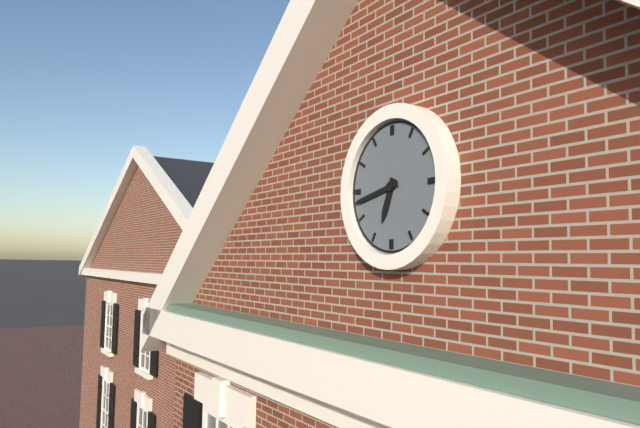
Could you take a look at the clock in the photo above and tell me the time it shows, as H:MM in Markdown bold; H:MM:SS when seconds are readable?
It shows **6:43**
